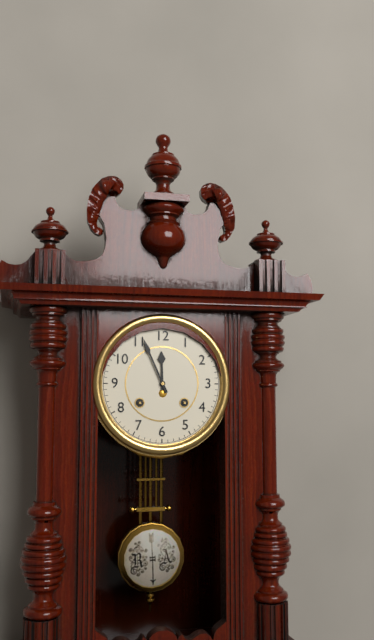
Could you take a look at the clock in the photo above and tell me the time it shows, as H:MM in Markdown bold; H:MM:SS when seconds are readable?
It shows **11:56**
